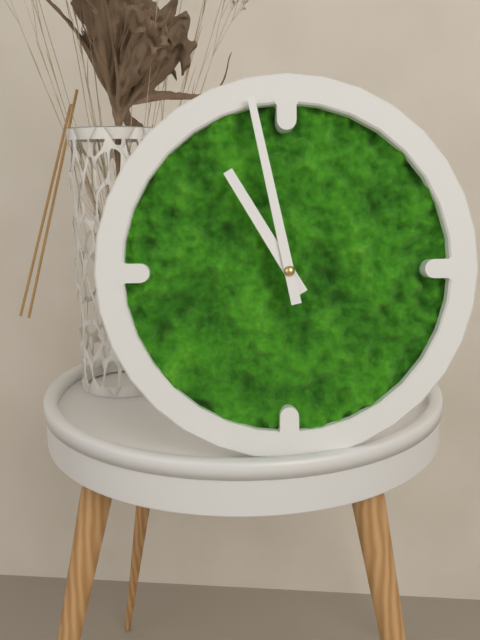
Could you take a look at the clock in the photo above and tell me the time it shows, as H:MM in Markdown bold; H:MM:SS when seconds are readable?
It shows **10:58**
